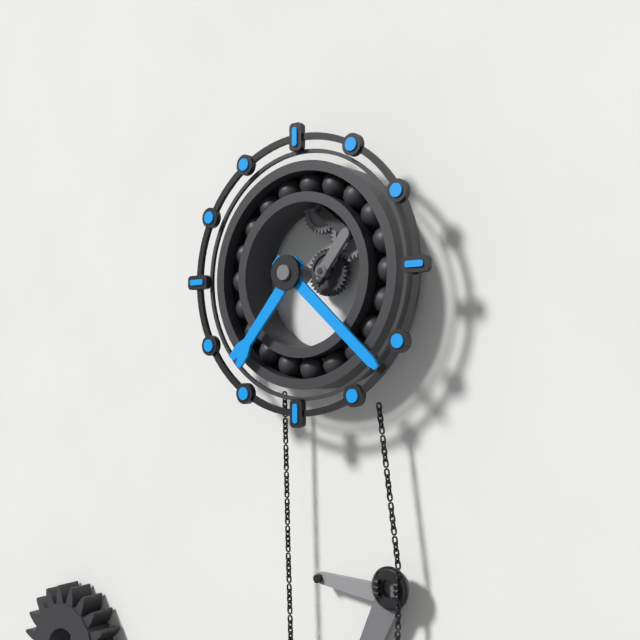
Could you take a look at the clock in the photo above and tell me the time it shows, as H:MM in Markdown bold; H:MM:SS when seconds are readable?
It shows **7:22**
